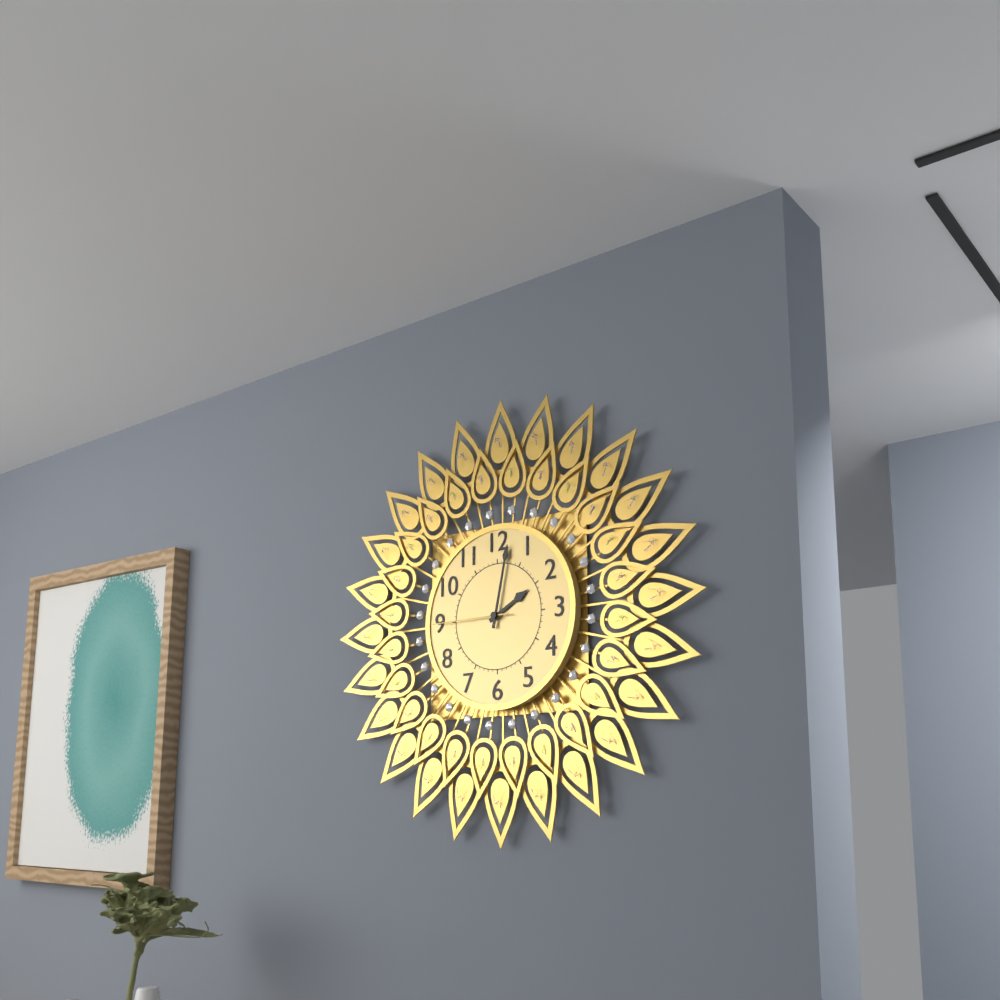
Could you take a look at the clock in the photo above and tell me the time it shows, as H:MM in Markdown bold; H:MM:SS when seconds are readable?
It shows **2:02:45**
